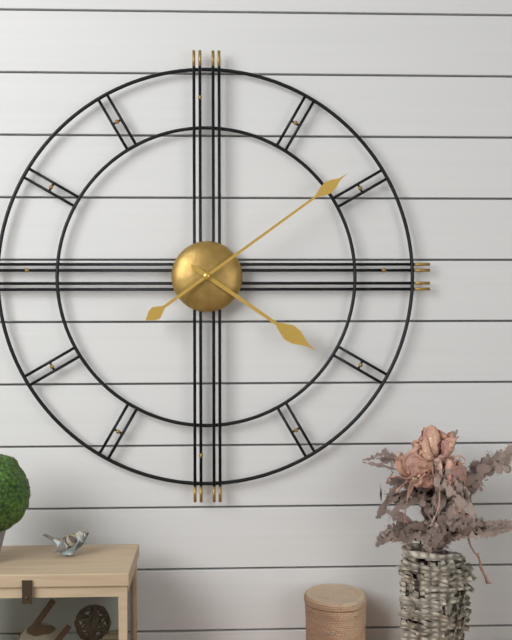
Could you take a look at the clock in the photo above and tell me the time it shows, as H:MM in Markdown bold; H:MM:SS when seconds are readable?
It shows **4:09**
